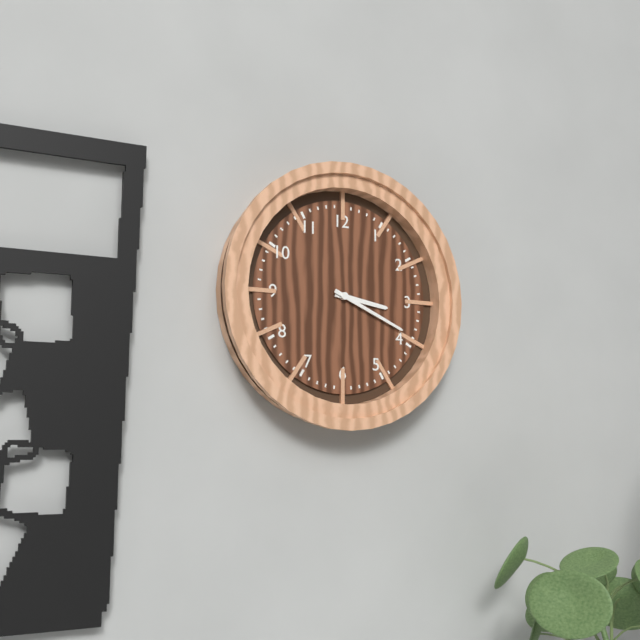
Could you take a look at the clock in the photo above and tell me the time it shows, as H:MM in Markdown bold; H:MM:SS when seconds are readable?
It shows **3:19**
